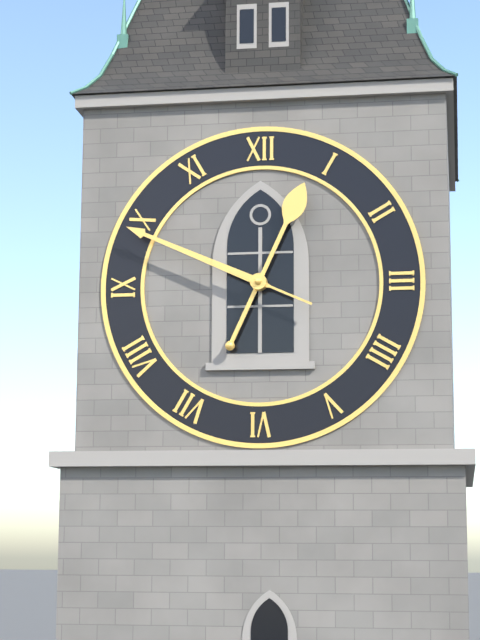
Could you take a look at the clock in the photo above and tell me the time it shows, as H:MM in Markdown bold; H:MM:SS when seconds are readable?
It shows **12:49**
